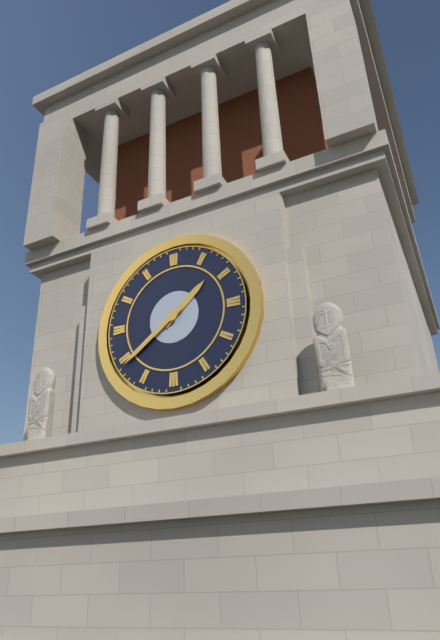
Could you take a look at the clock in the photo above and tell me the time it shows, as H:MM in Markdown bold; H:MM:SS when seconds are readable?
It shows **1:39**
